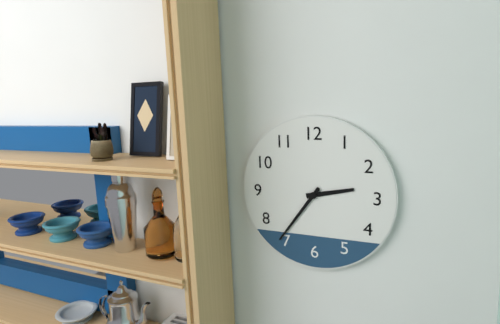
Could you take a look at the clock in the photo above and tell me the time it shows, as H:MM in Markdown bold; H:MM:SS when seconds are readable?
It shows **2:36**
